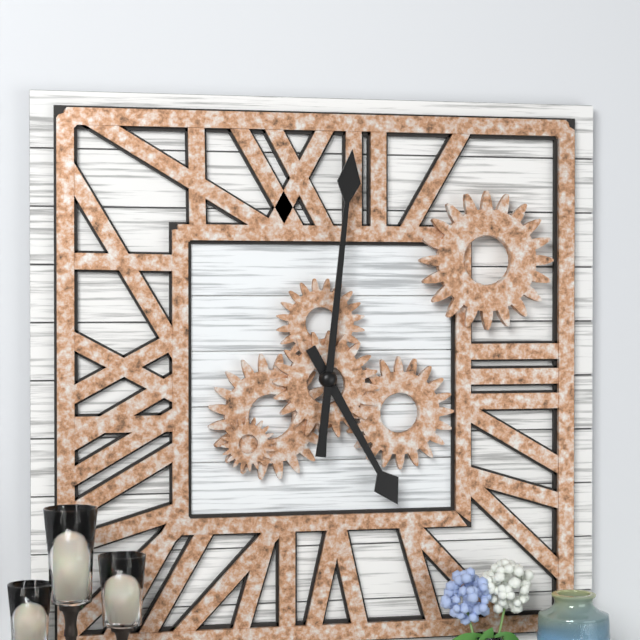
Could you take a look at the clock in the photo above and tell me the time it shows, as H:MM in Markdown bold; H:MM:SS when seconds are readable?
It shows **5:01**
